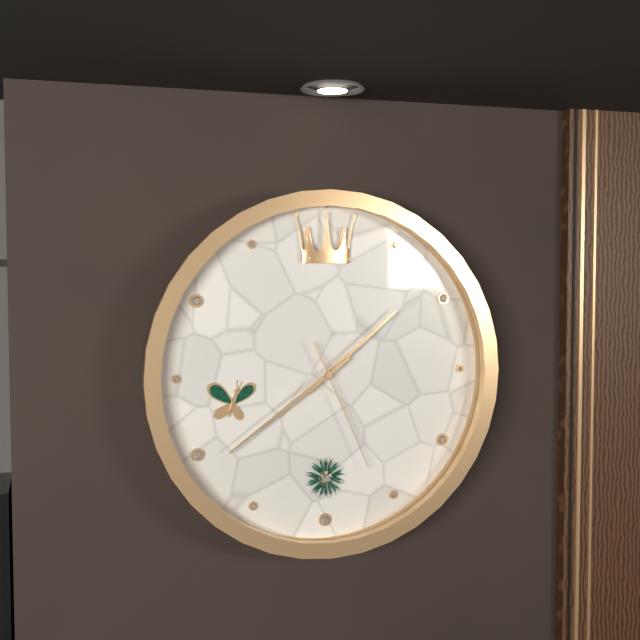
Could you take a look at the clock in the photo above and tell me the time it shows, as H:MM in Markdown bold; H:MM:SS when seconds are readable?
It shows **1:39:26**
